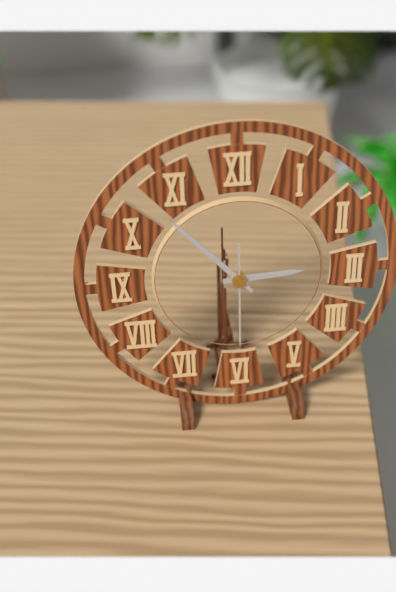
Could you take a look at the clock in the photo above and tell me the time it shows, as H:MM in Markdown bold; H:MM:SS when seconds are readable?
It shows **2:53:30**
